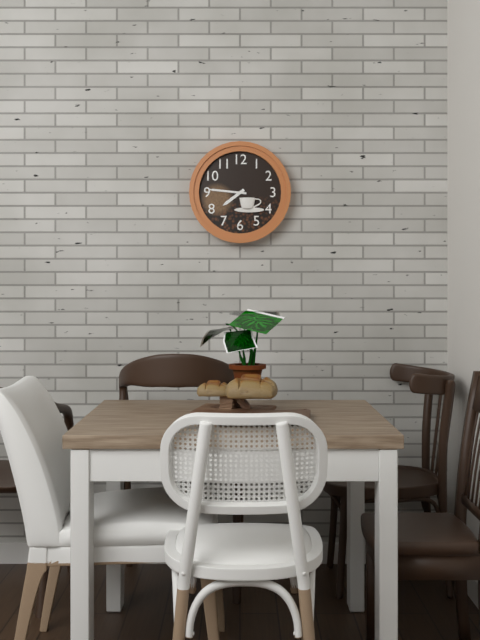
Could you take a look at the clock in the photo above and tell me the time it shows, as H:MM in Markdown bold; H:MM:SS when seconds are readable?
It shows **7:46**
